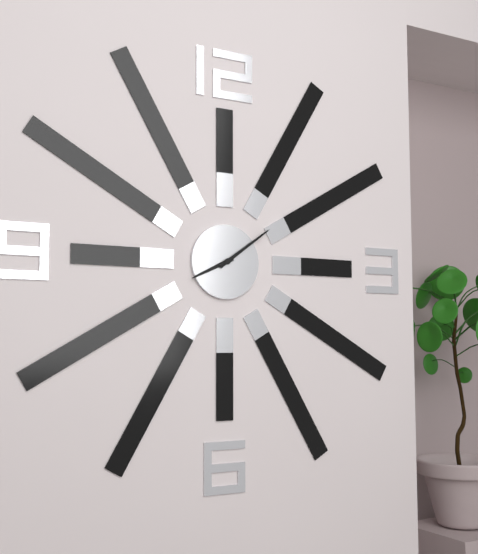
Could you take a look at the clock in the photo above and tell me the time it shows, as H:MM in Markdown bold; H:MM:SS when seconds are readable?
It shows **8:09**
